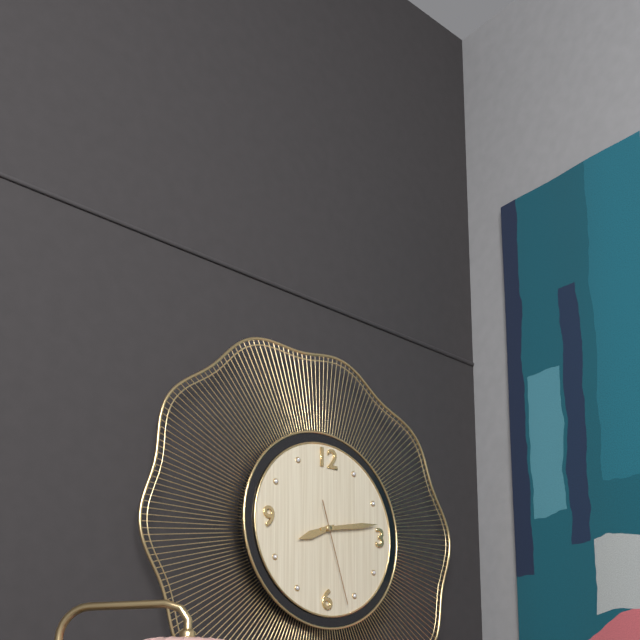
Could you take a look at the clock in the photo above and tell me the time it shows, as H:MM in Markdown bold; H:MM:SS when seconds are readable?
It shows **8:13:27**
